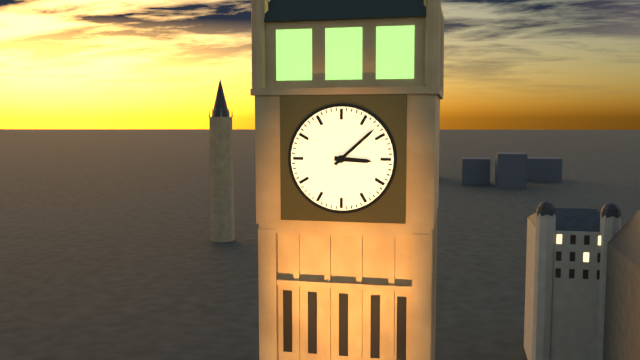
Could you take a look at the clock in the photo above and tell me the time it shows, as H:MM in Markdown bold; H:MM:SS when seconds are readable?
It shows **3:08**
